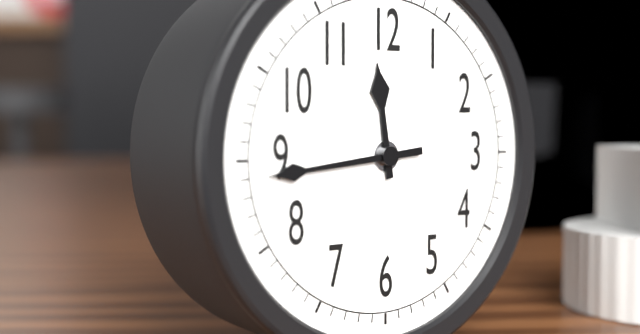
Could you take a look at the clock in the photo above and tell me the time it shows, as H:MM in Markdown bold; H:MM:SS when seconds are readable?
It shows **11:44**
